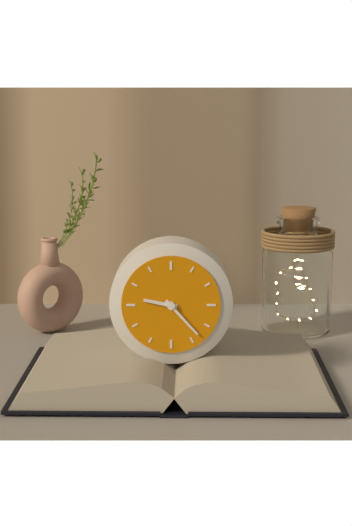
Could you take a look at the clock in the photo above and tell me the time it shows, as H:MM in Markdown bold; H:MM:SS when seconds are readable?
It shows **9:23**
